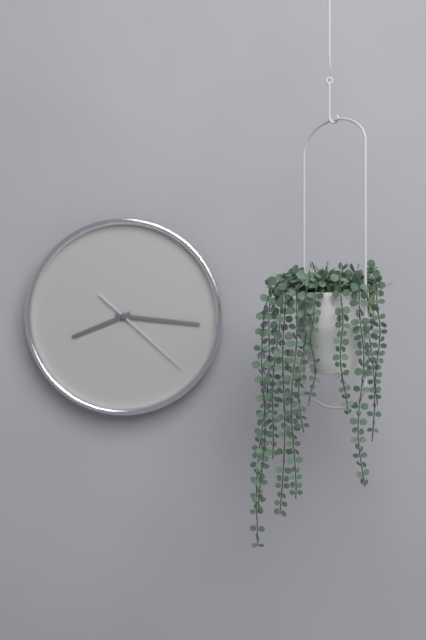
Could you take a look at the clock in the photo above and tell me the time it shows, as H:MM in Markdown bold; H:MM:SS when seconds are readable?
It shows **8:16:22**
